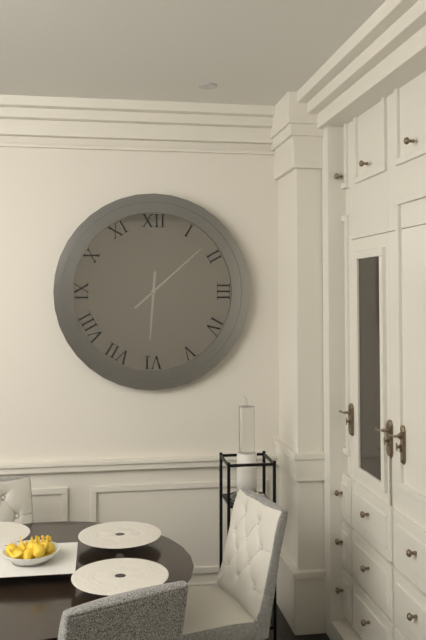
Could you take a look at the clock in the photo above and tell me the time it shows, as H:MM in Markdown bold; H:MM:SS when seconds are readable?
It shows **6:08**
